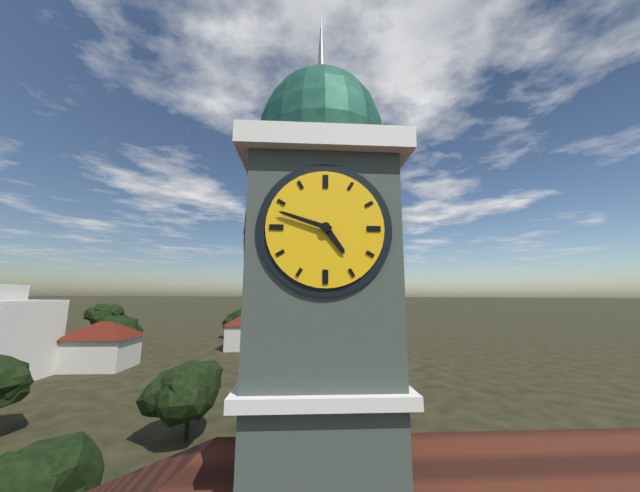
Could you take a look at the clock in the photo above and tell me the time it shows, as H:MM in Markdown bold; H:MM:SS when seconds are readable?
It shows **4:48**
